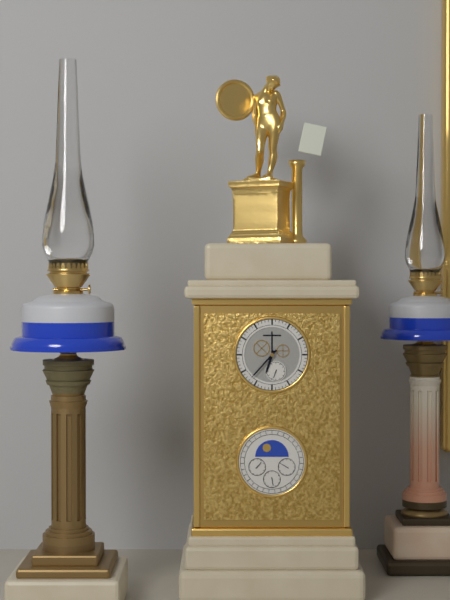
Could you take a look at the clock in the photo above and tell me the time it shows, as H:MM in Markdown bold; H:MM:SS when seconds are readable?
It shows **6:37**
